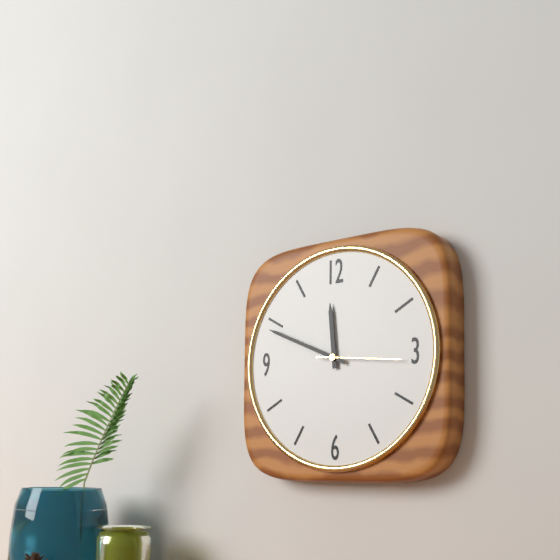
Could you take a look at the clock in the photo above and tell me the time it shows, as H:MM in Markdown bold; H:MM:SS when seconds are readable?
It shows **11:49:16**
